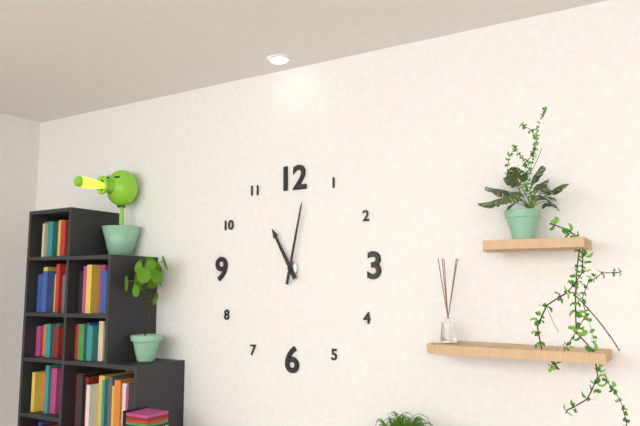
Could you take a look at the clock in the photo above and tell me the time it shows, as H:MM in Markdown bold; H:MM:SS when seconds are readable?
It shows **11:02**
